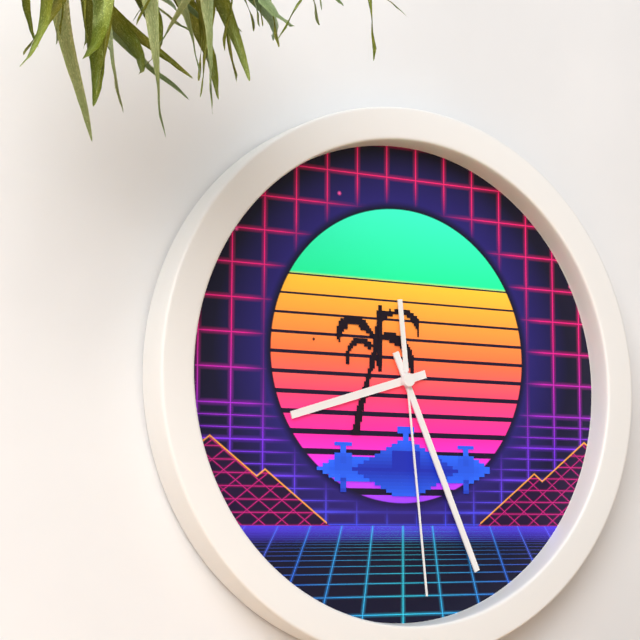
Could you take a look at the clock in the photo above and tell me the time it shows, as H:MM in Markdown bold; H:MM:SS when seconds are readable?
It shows **8:26:29**
